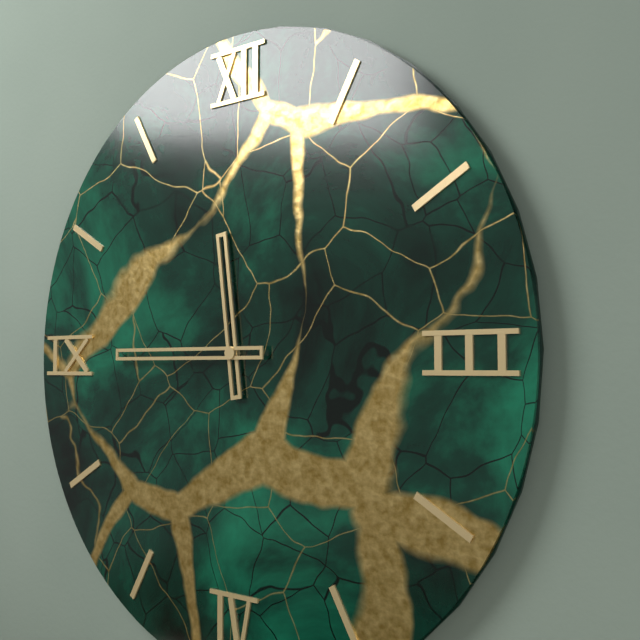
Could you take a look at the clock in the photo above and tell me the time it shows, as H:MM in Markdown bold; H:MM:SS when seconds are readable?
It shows **11:45**
